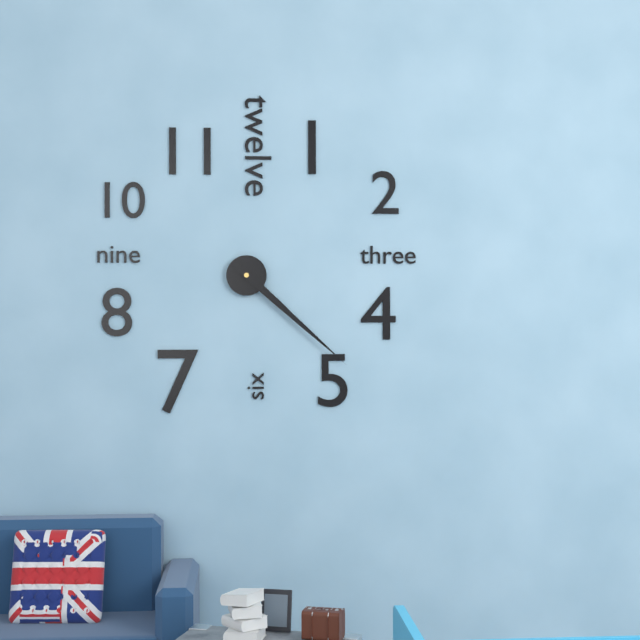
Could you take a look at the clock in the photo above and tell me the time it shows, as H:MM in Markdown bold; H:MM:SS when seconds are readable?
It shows **4:22**
